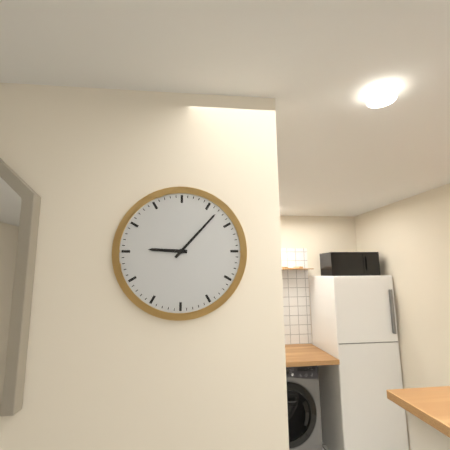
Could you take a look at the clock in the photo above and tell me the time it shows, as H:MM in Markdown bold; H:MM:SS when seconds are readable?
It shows **9:07**
